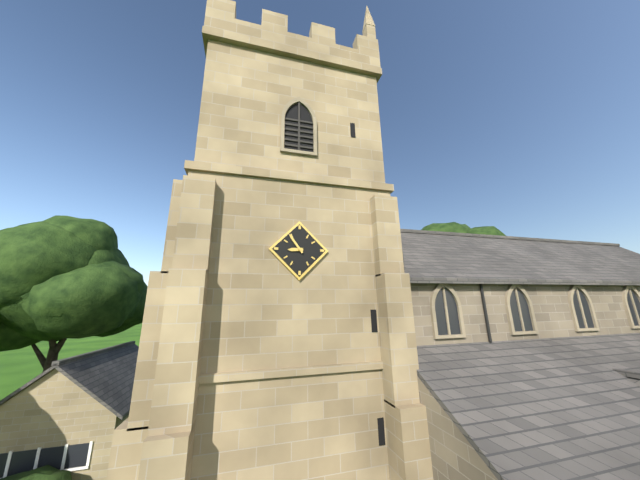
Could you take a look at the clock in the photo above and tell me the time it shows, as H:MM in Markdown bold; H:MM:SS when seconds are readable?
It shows **8:54**
